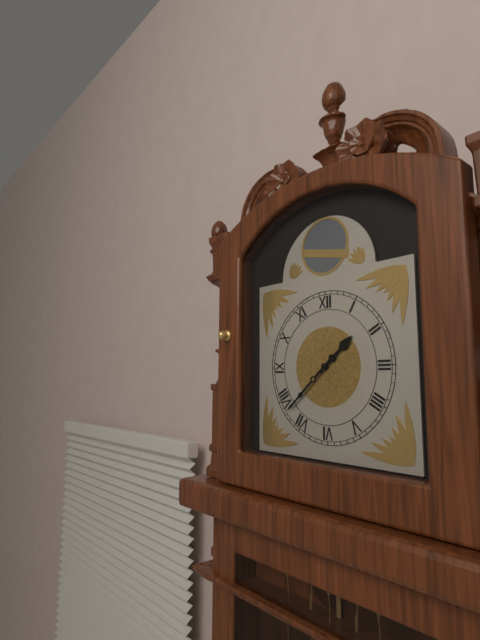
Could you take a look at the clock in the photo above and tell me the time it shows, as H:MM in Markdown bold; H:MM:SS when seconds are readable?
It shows **1:38**
